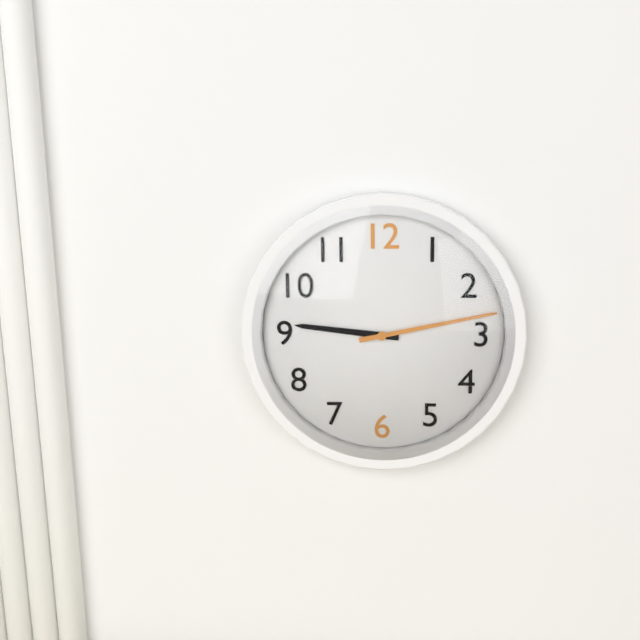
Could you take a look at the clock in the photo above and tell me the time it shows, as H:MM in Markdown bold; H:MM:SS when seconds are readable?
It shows **9:13**
